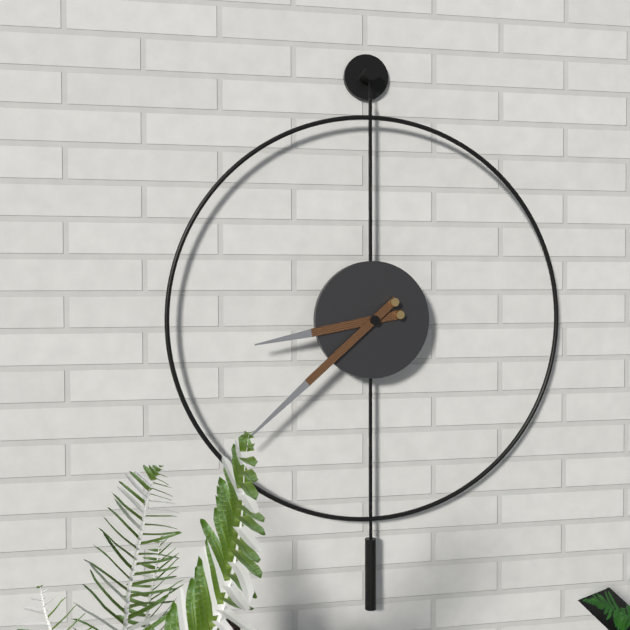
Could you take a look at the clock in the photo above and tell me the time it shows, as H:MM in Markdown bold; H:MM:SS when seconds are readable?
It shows **8:38**
